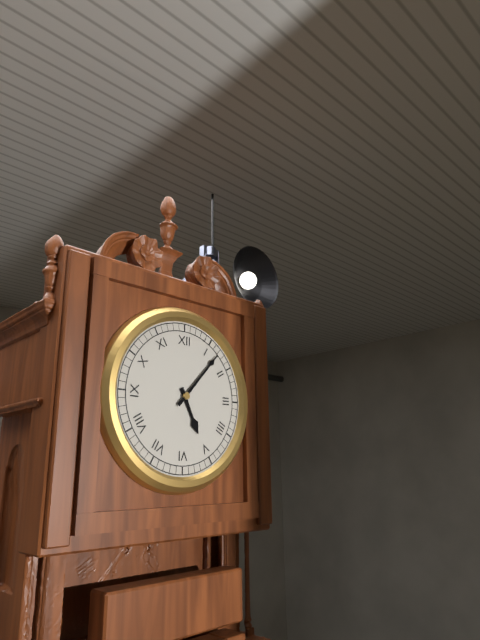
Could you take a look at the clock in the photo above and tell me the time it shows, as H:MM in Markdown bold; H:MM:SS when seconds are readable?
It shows **5:07**
